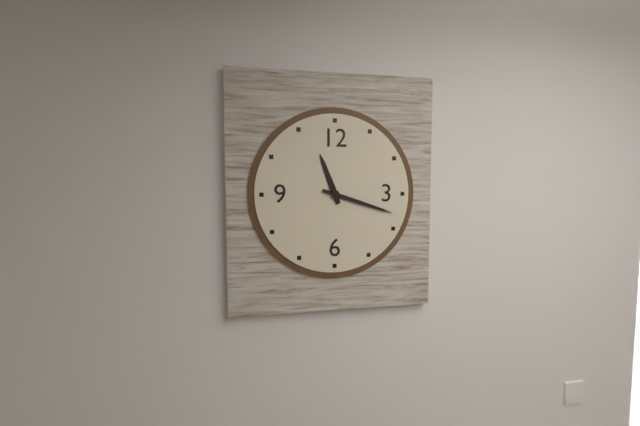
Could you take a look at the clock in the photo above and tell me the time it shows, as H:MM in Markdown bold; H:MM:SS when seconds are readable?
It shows **11:18**
